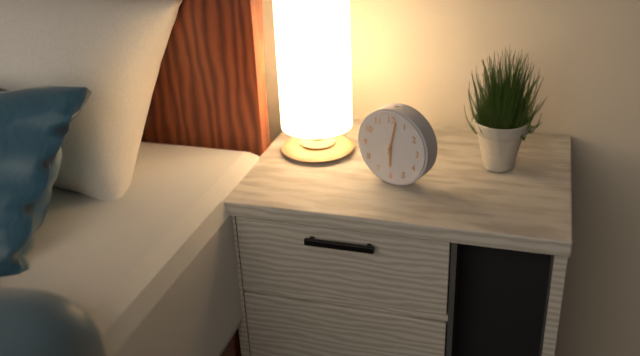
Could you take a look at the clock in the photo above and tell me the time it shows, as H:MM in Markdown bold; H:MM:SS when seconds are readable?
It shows **6:02**
